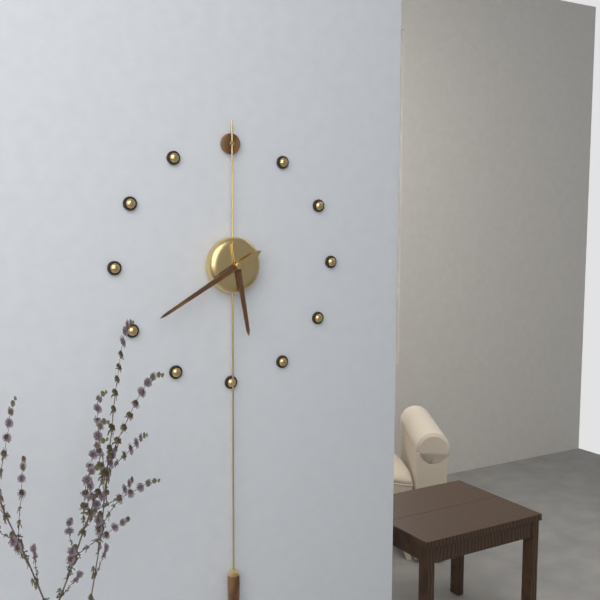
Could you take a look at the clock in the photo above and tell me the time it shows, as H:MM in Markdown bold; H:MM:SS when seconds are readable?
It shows **5:40**
